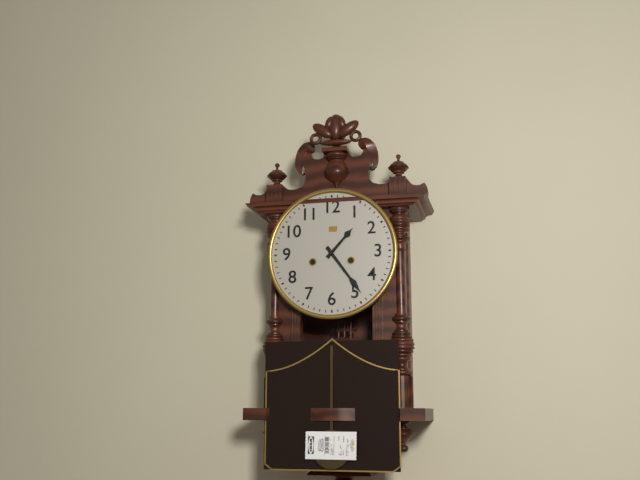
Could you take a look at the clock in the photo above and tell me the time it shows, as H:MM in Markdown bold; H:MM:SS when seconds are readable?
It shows **1:24**
